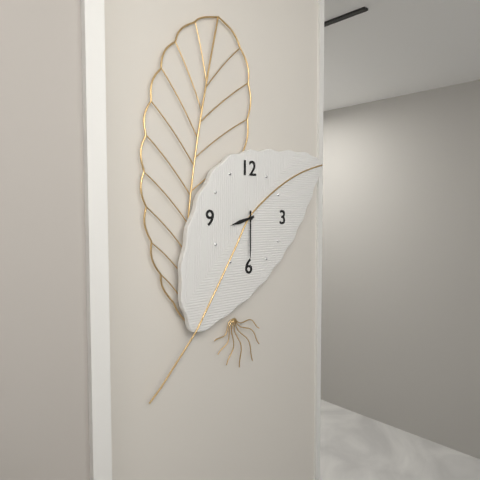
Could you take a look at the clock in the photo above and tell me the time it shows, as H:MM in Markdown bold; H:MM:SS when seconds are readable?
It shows **8:30**
